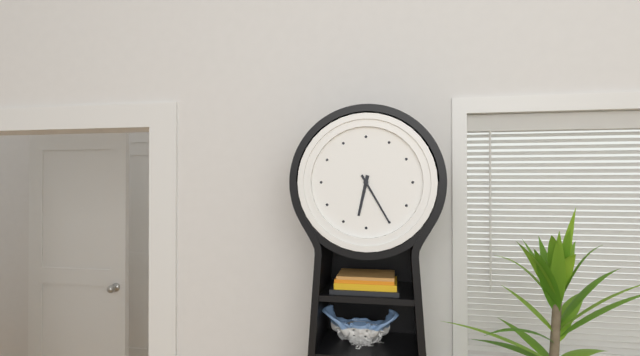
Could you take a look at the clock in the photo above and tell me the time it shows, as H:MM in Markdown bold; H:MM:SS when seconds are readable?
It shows **6:25**
